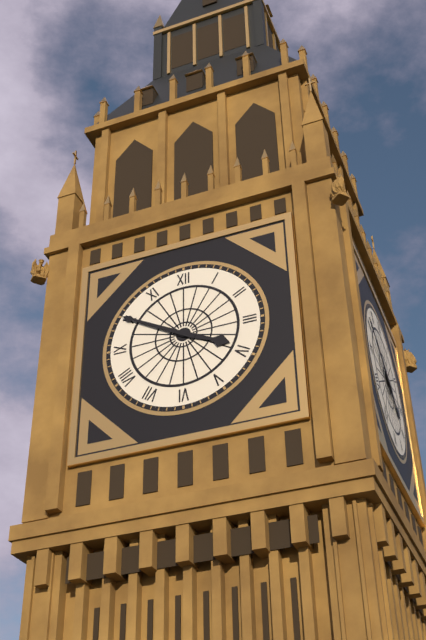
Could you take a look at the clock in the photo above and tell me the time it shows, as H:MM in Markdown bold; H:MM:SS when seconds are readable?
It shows **3:50**
